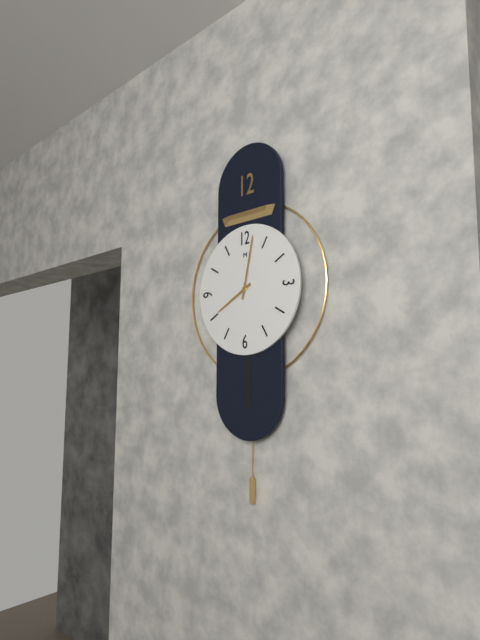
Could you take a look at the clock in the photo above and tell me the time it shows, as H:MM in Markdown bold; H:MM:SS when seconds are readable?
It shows **8:02**
